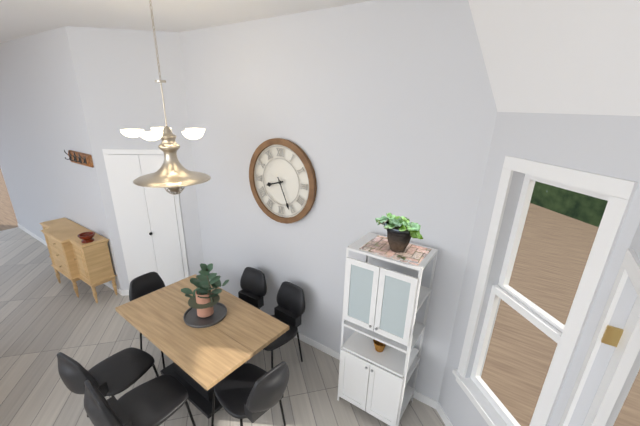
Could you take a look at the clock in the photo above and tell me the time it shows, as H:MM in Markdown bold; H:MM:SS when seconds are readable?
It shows **8:26**
